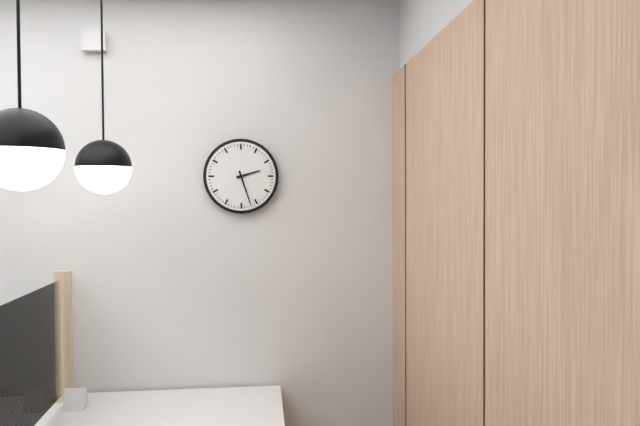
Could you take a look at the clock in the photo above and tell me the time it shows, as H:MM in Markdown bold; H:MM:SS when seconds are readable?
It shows **2:27**
